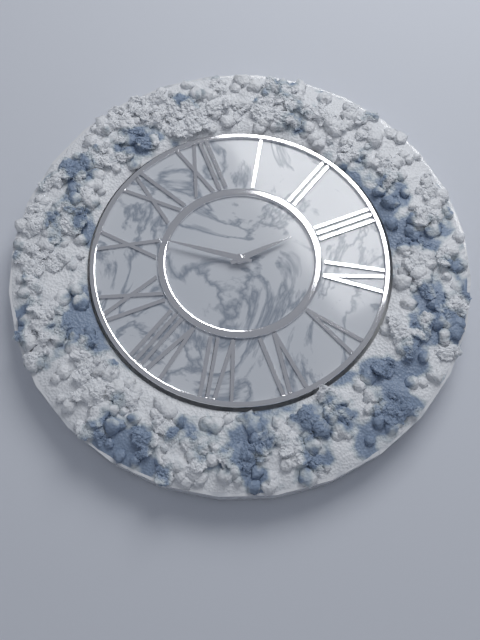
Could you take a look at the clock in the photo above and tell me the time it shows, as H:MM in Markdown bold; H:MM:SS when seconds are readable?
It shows **2:51**
